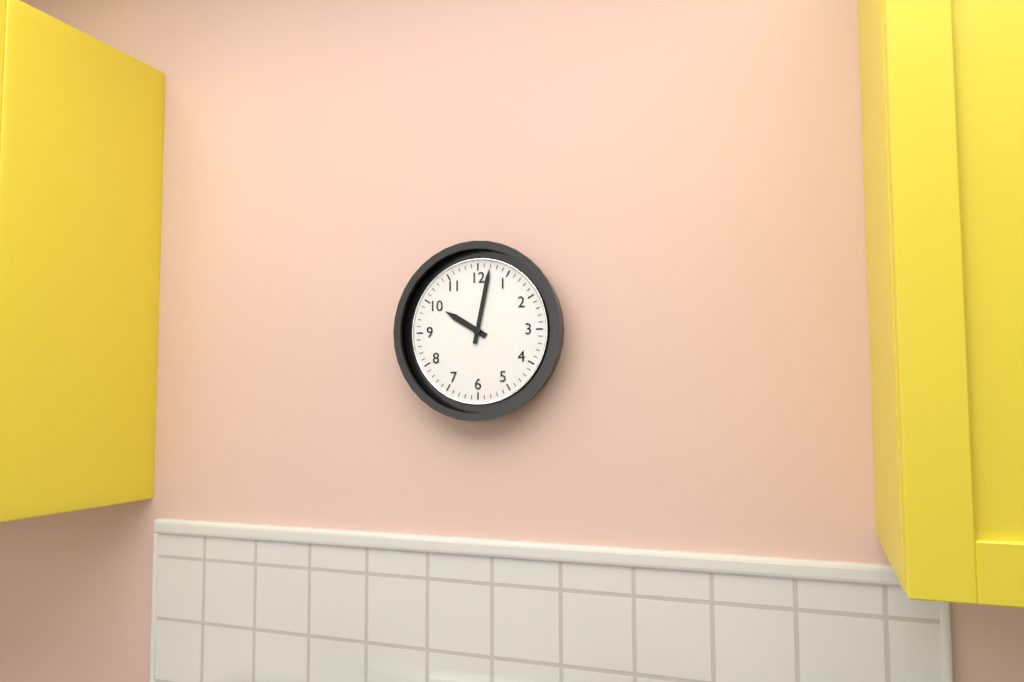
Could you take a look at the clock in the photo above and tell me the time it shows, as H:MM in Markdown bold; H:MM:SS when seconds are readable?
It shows **10:02**
